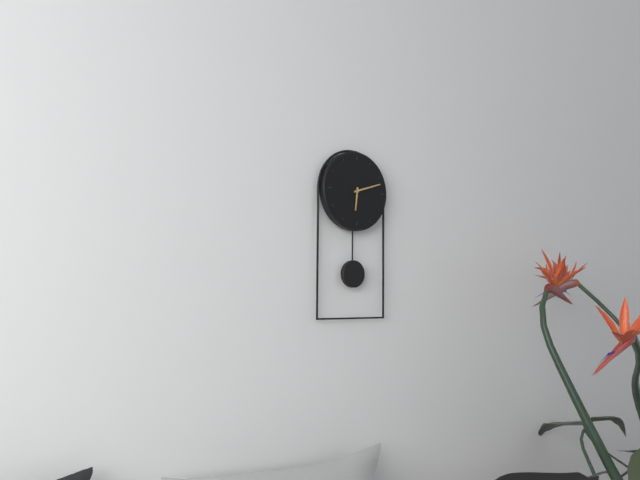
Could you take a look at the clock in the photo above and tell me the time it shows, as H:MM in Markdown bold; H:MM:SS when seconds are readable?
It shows **6:12**
